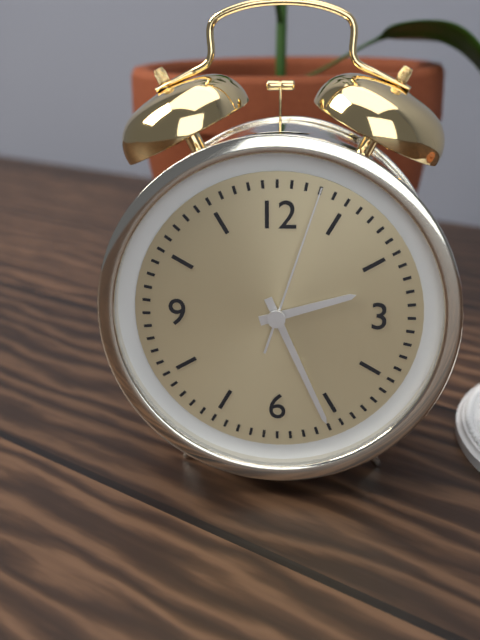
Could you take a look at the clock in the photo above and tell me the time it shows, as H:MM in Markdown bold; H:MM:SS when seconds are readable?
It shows **2:26:03**
